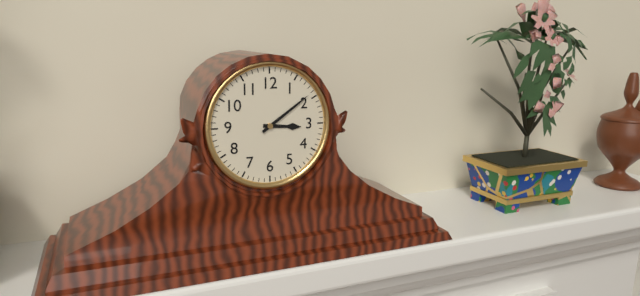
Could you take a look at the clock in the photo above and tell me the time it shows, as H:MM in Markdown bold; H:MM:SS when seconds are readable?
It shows **3:09**
